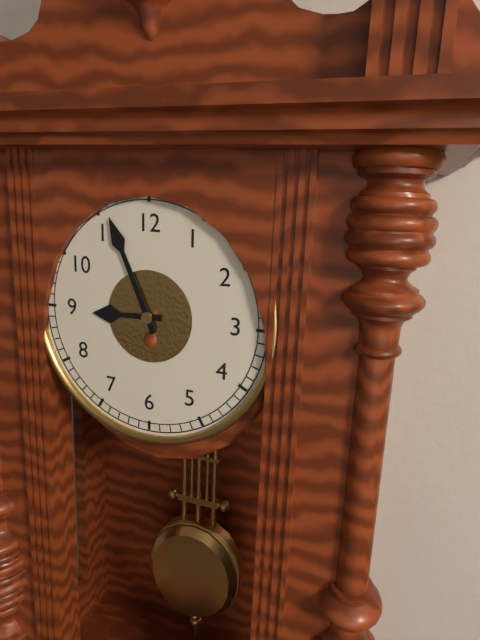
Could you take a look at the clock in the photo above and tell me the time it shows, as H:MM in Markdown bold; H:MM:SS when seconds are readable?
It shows **8:56**
